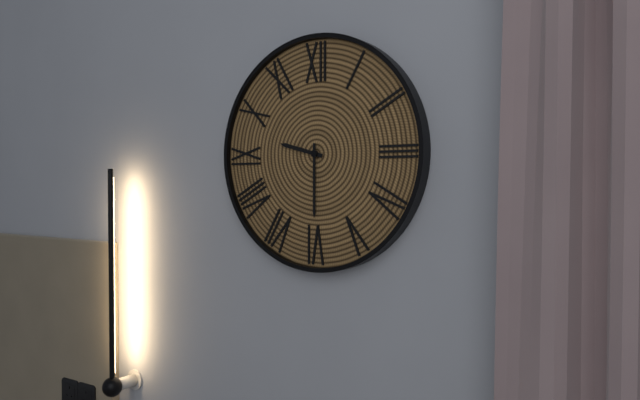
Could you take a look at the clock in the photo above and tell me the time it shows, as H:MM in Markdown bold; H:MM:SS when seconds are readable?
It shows **9:30**
